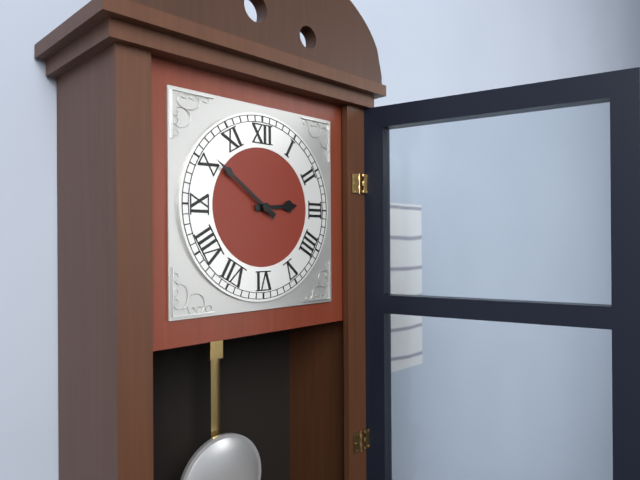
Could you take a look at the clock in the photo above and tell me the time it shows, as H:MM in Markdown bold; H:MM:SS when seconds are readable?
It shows **2:51**
